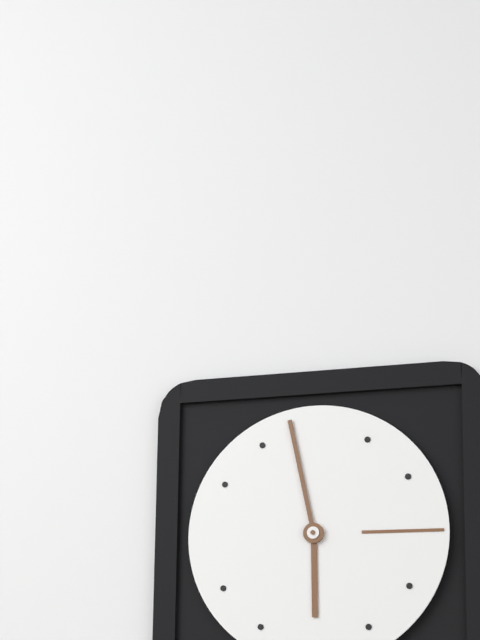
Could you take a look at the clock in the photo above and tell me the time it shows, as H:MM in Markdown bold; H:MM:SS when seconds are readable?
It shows **5:58**
